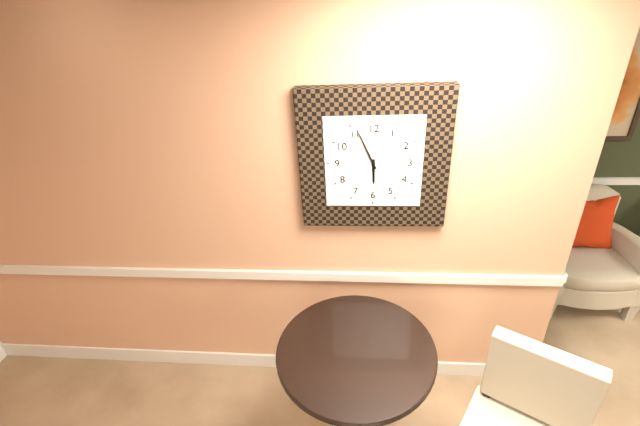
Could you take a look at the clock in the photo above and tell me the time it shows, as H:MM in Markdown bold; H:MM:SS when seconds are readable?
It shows **5:56**
